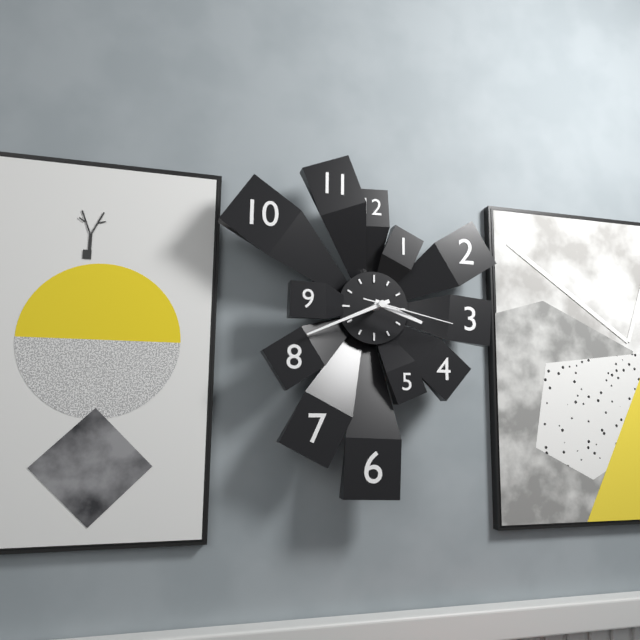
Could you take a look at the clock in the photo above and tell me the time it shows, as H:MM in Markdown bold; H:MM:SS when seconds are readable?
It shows **3:41:17**
